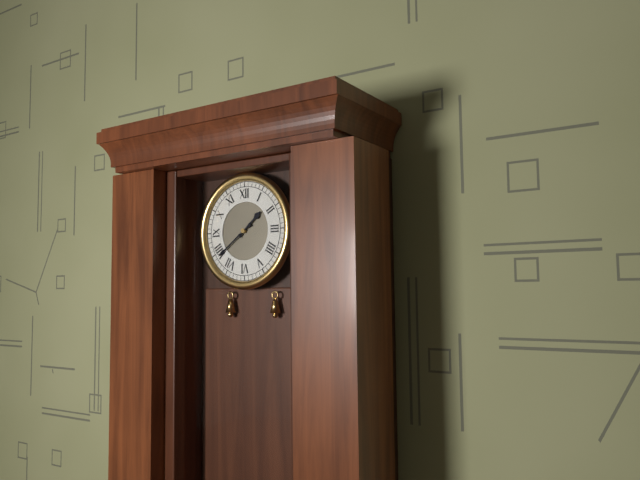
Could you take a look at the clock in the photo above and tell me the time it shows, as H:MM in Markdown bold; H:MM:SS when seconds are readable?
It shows **1:39**
